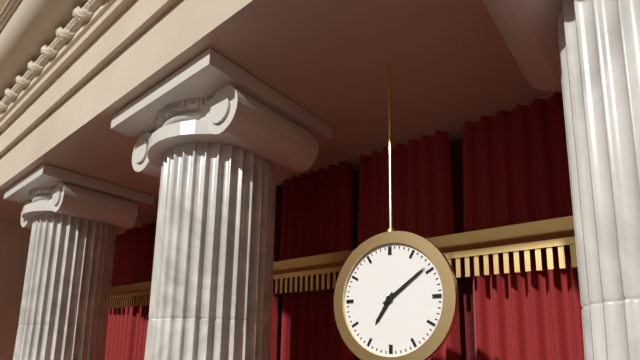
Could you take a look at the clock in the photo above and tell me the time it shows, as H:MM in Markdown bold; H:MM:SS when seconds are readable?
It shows **7:09**
